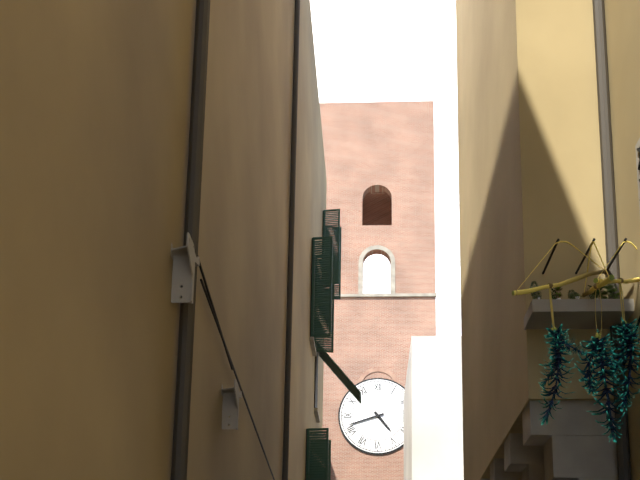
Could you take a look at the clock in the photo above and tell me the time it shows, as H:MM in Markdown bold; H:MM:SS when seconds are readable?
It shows **4:42**
